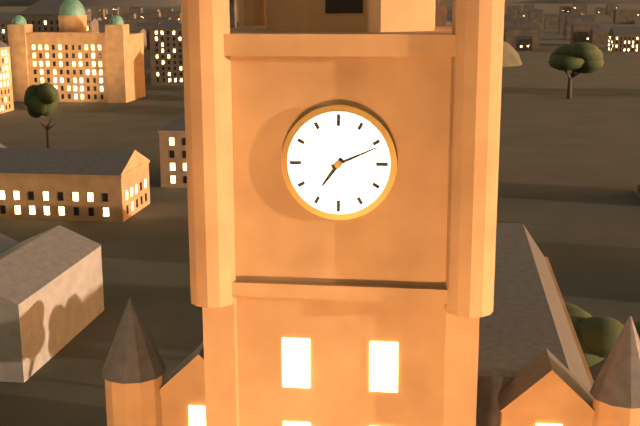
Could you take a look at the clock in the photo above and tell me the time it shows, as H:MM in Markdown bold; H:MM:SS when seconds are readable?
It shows **7:11**
